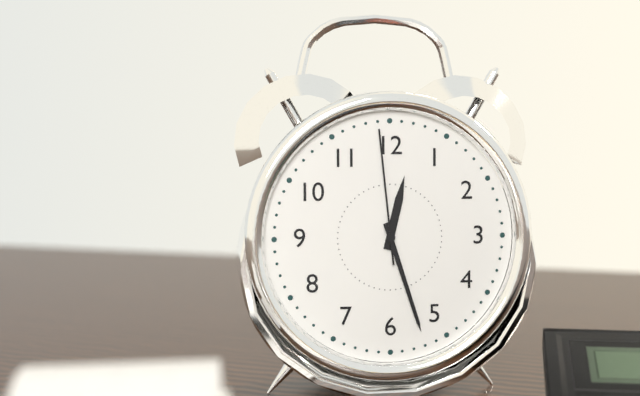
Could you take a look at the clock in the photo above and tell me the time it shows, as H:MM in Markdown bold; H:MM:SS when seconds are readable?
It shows **12:27:59**
